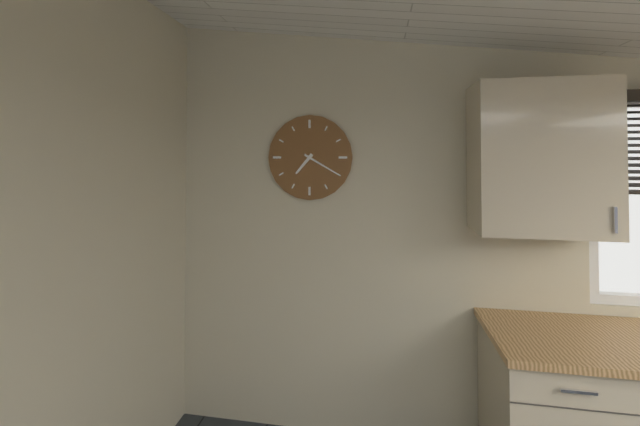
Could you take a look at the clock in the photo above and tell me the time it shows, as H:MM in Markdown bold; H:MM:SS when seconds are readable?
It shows **7:20**
